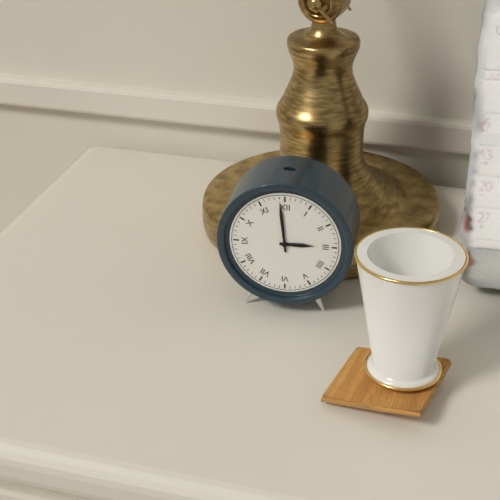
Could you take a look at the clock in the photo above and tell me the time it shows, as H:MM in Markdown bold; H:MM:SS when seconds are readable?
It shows **2:59**
